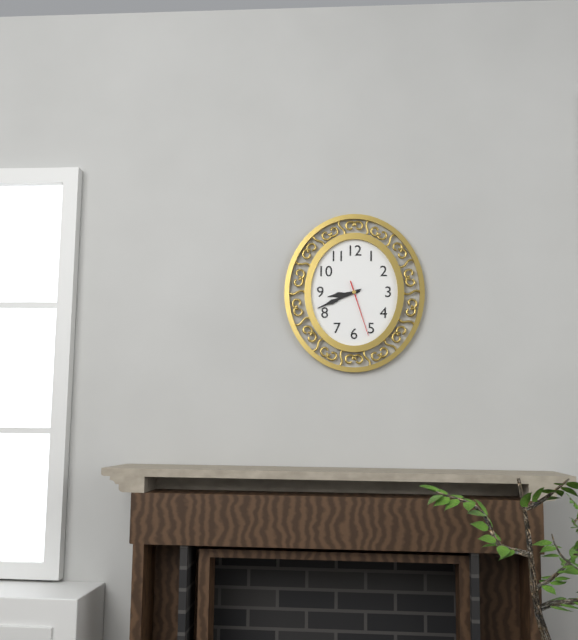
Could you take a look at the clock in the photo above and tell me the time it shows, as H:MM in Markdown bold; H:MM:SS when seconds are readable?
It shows **8:41:27**
